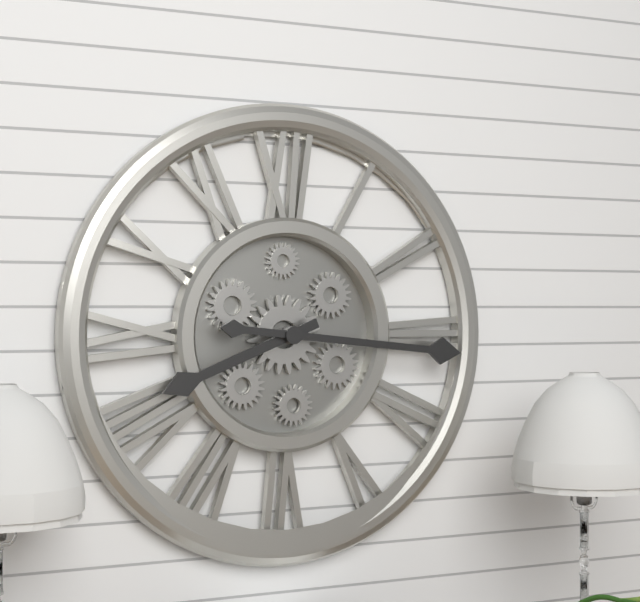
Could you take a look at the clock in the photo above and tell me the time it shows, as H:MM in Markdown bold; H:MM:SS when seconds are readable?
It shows **8:16**
